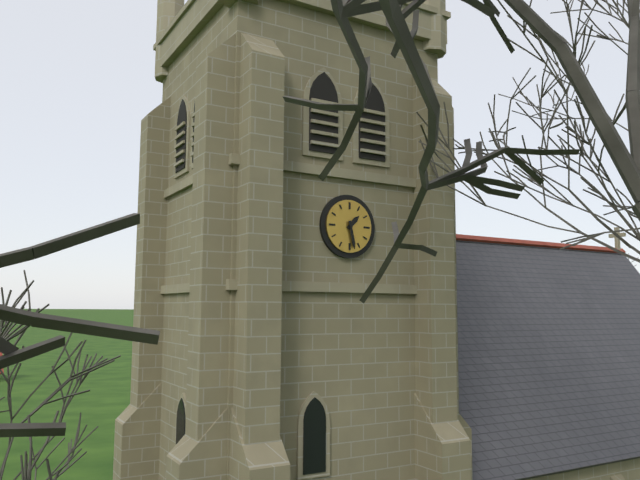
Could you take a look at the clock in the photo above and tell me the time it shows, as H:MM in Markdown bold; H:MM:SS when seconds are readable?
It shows **1:28**
